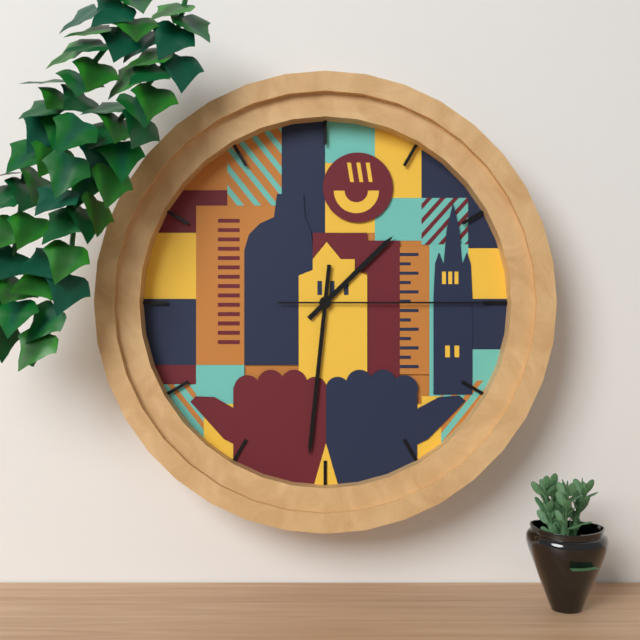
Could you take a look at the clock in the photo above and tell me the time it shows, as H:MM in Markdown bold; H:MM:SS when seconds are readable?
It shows **1:31:15**
